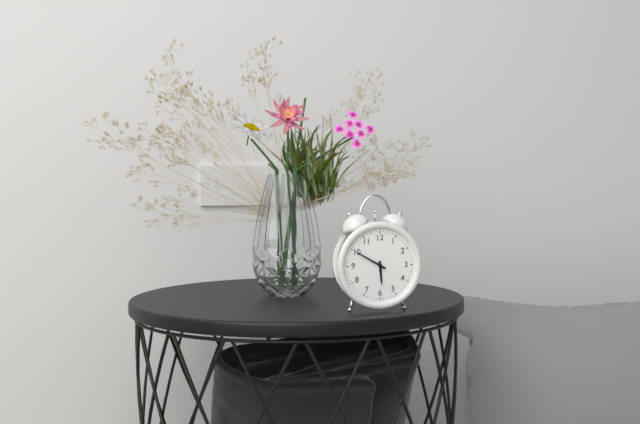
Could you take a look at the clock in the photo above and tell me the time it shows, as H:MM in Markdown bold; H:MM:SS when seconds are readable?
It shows **5:50**
